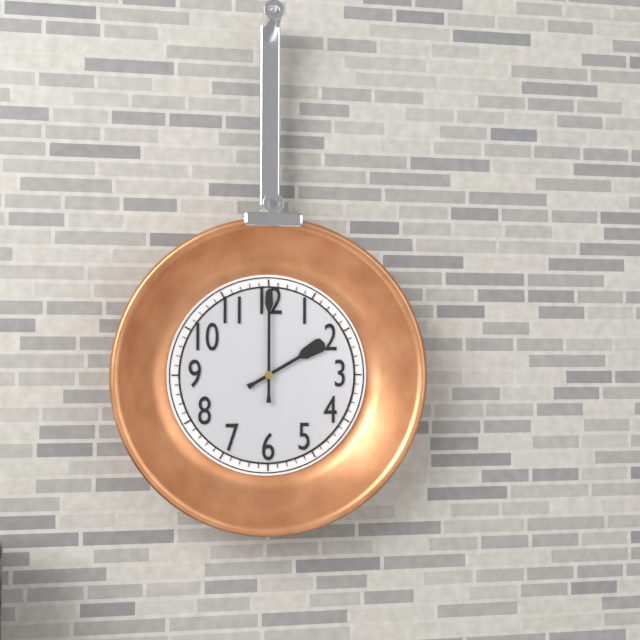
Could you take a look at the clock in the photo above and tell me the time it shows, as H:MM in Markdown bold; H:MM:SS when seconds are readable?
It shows **2:00**
